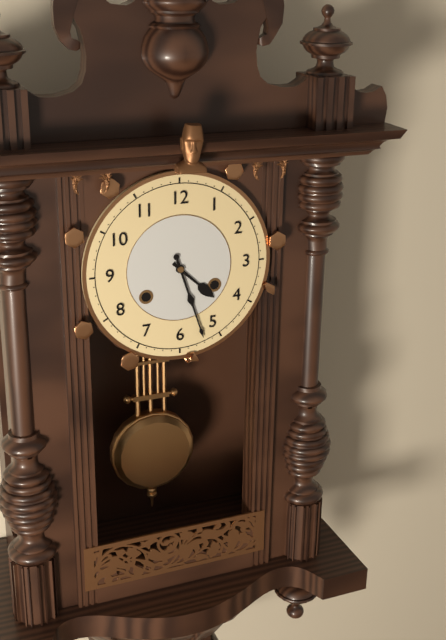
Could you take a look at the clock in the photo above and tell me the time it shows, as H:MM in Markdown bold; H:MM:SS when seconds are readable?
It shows **4:27**
